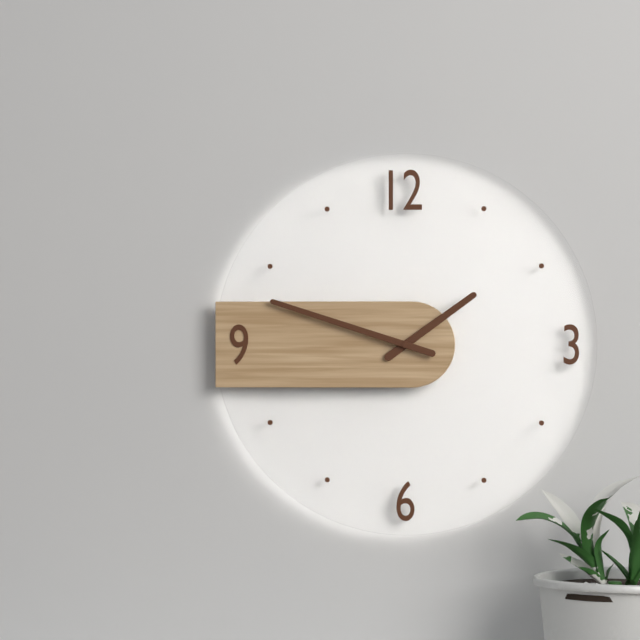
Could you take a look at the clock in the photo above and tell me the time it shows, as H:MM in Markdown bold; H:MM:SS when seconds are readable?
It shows **1:48**
